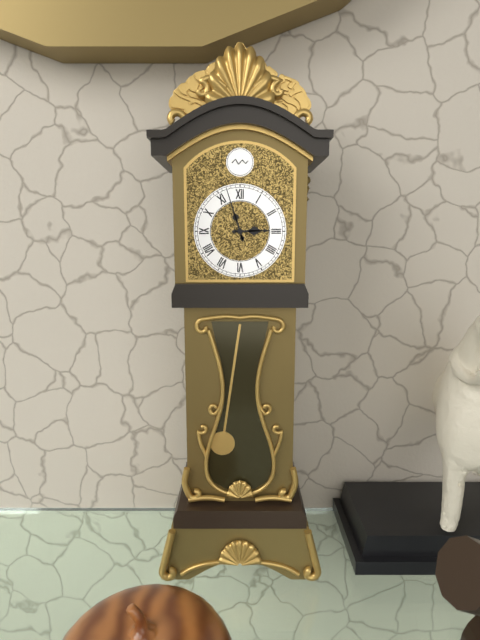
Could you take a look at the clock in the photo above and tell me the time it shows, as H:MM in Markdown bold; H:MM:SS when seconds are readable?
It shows **2:57**
